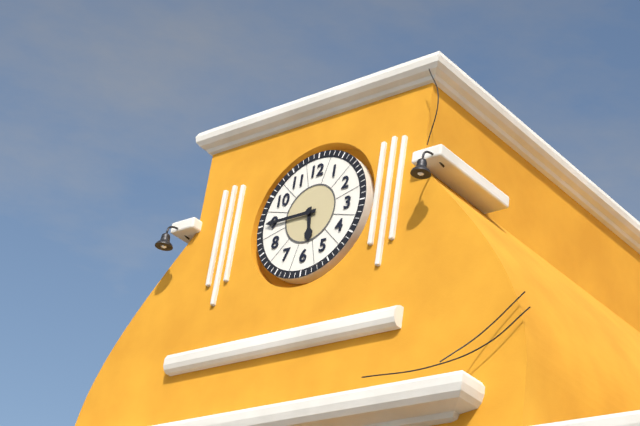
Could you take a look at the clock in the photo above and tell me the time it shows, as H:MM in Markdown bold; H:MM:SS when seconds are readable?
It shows **5:45**
